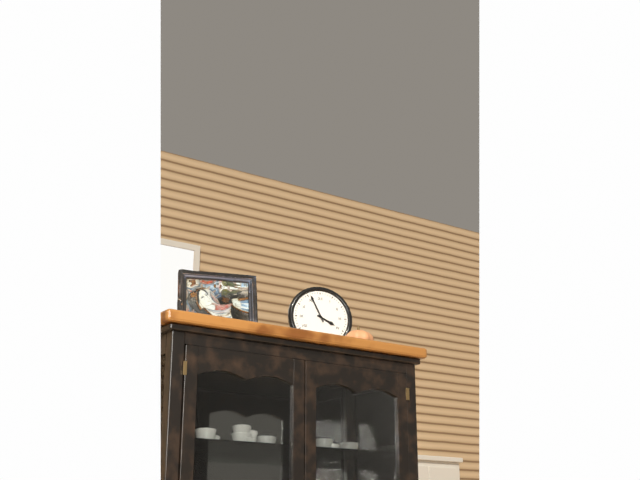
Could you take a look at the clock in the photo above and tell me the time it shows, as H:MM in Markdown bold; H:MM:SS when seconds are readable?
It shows **3:56**
